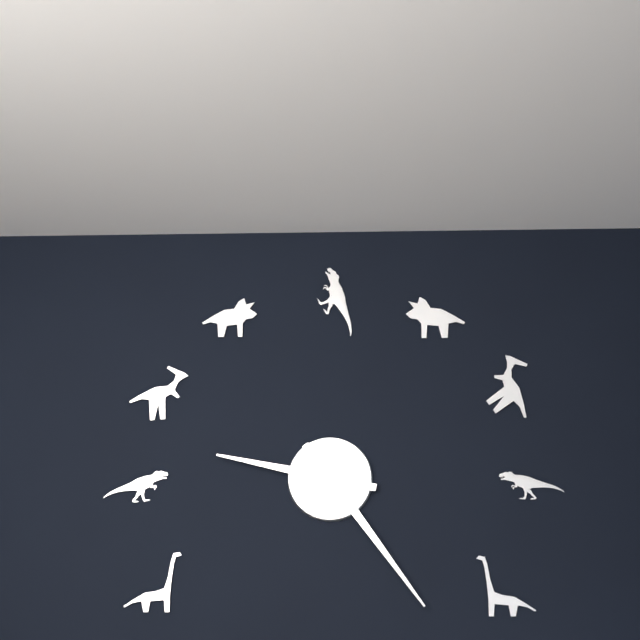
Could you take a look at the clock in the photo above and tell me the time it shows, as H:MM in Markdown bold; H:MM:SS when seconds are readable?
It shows **9:24**
